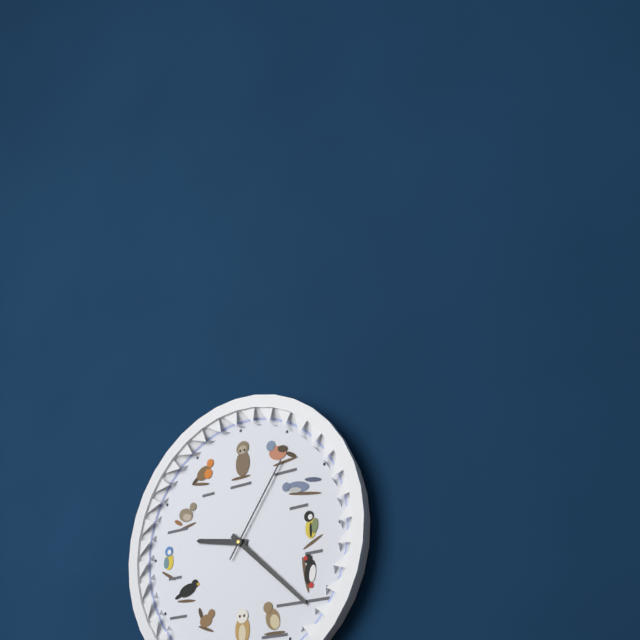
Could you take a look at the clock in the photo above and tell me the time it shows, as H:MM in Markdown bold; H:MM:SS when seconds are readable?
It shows **9:22:06**
